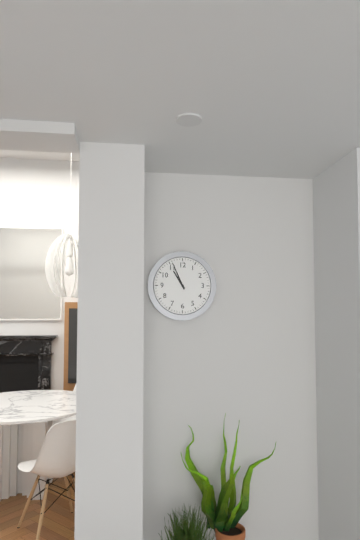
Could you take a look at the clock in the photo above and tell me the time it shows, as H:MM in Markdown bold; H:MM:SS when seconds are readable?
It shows **10:56**
